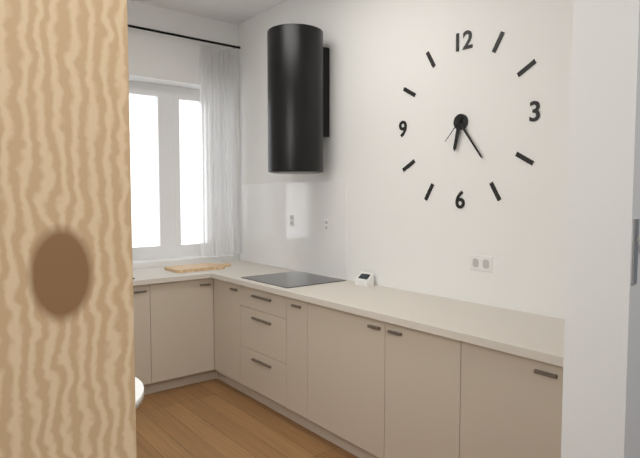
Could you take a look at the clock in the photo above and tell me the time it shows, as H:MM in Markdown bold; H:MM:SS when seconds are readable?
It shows **6:24**
